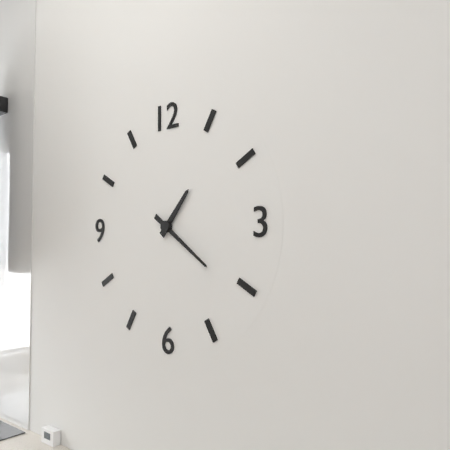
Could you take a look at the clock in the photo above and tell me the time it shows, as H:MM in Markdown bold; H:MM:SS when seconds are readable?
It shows **1:21**
